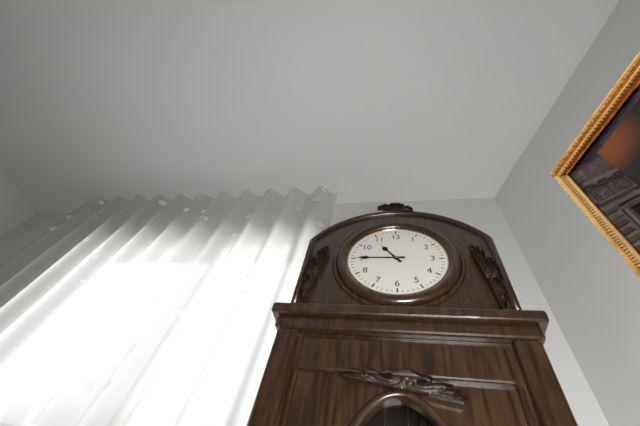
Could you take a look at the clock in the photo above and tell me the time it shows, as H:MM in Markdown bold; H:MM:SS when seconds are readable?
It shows **10:45**
